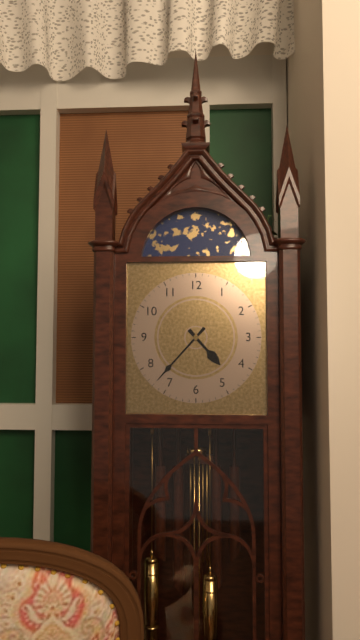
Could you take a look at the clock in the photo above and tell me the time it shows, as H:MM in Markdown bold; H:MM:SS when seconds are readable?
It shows **4:37**
